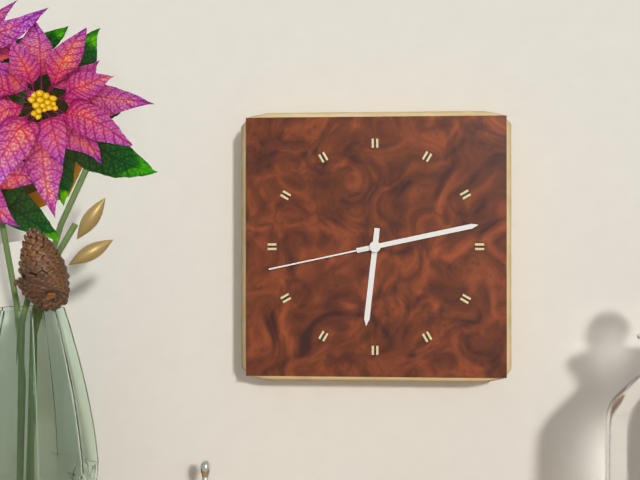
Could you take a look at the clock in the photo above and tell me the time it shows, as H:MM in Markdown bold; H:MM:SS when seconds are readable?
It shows **6:13:43**
